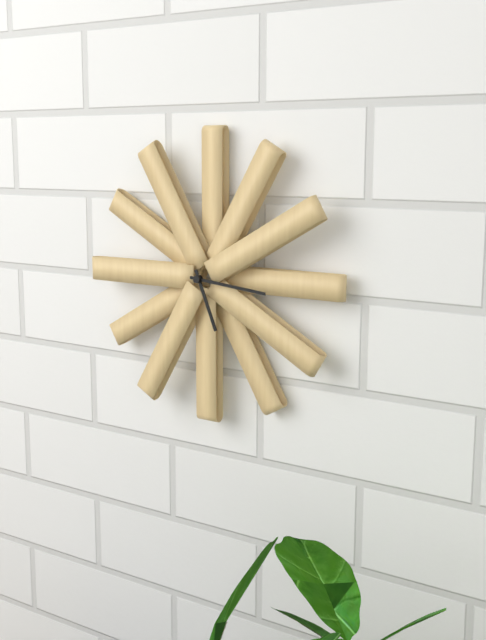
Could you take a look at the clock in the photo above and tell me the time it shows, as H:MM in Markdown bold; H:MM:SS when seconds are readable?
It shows **5:16**
